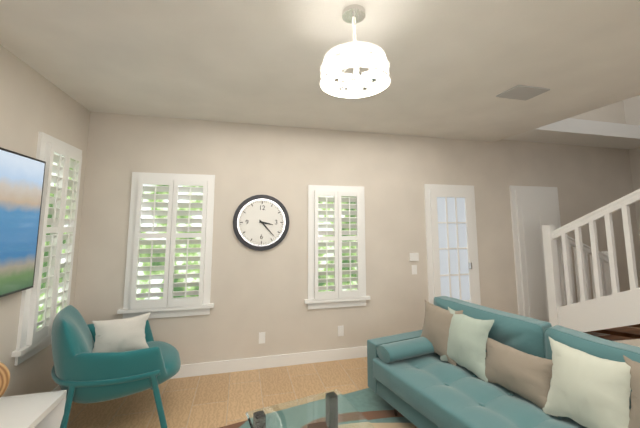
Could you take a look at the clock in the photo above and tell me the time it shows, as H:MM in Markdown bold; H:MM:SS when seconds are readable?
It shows **3:23**
